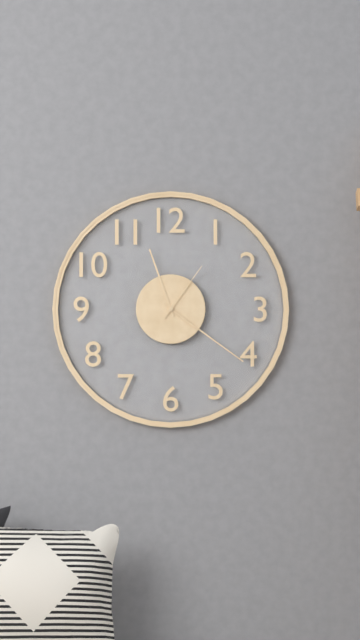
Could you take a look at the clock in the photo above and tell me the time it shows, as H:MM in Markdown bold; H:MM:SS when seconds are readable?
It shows **11:21:06**
